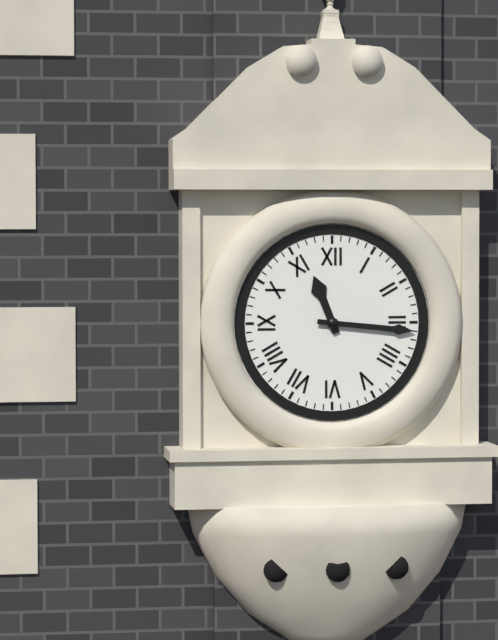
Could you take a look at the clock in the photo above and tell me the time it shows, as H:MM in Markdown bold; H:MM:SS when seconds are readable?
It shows **11:16**
